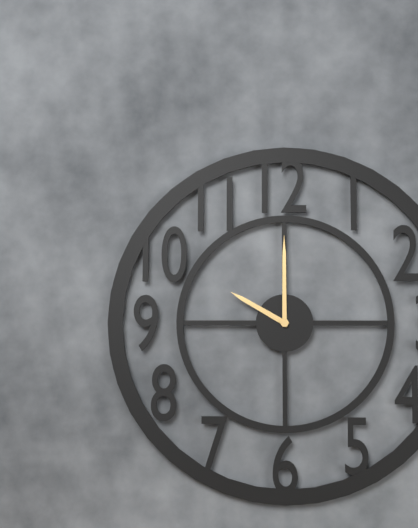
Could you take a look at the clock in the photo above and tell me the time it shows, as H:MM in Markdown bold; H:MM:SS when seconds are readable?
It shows **10:00**
